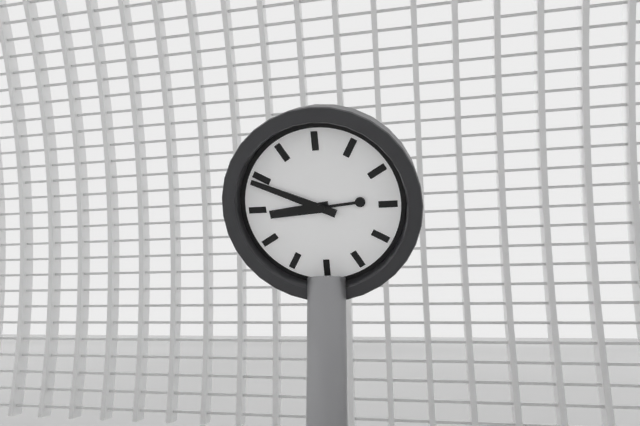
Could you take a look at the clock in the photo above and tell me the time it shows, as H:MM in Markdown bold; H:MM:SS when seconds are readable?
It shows **8:49**
